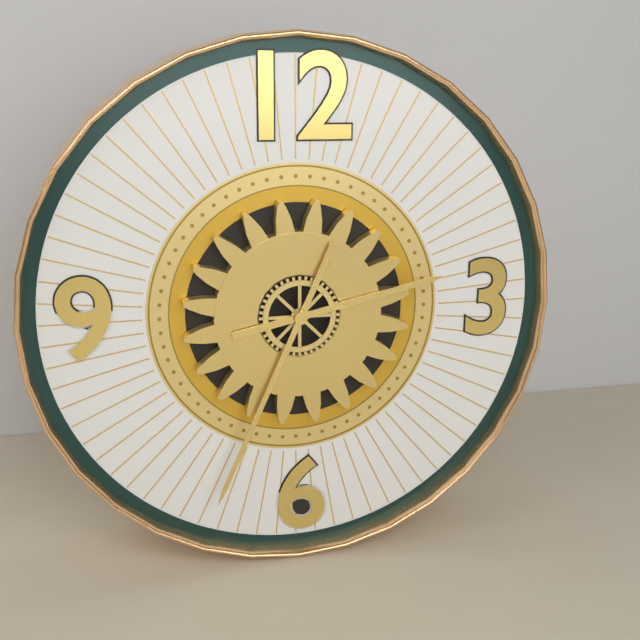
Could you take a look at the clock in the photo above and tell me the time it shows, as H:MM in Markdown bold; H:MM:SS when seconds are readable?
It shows **2:34**
